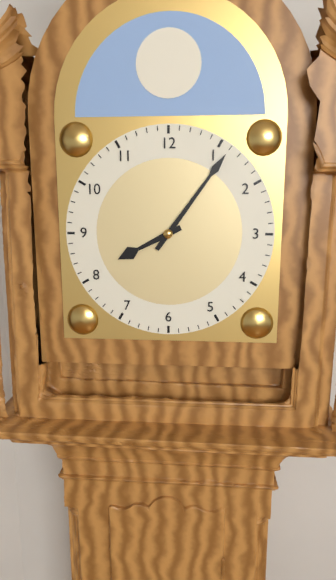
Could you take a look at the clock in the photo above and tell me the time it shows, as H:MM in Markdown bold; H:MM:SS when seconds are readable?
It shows **8:06**
